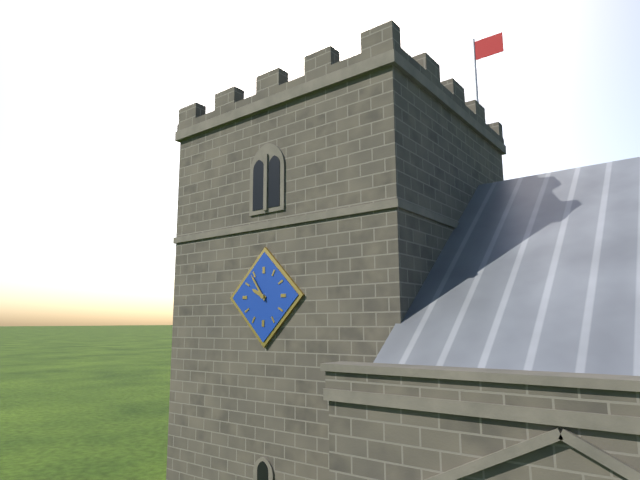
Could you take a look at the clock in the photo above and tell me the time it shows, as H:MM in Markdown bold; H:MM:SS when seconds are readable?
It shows **9:54**
